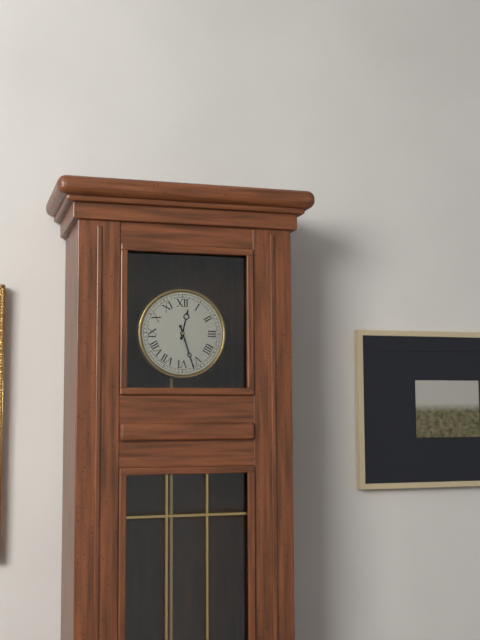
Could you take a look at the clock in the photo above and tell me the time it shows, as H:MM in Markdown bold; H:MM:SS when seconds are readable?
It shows **12:27**
